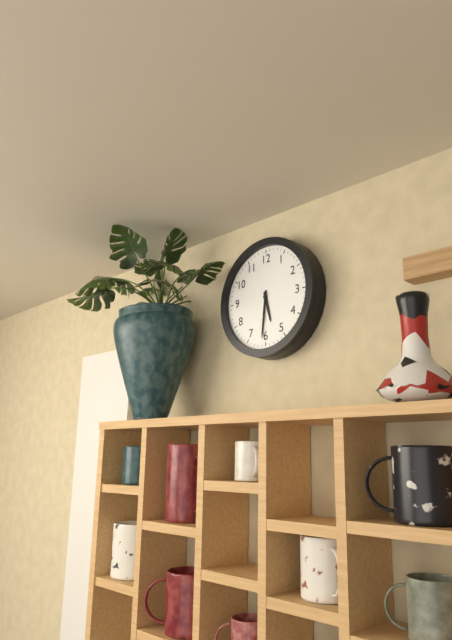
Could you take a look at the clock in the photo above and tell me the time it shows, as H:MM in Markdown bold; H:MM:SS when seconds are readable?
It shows **5:31**
